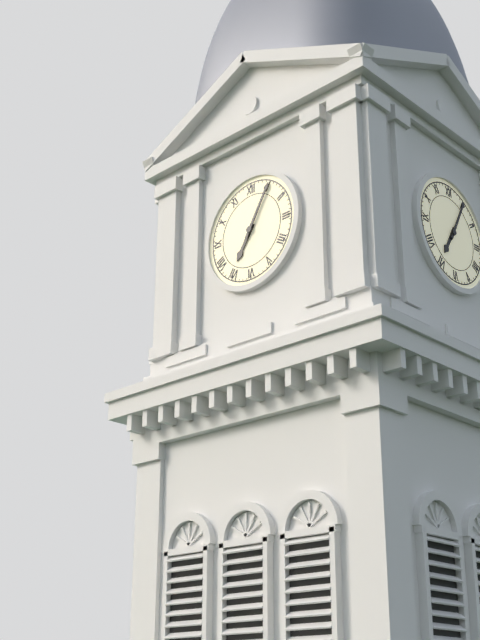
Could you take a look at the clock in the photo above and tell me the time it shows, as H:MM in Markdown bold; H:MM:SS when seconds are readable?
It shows **7:05**
